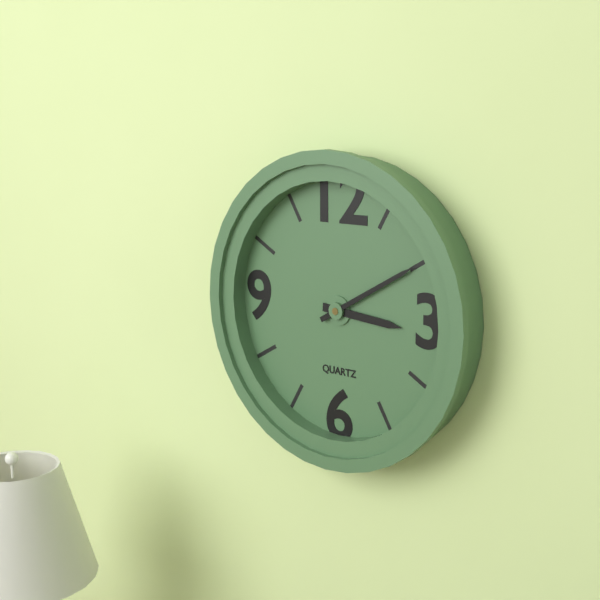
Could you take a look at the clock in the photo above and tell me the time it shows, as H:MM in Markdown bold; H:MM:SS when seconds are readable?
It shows **3:10**
